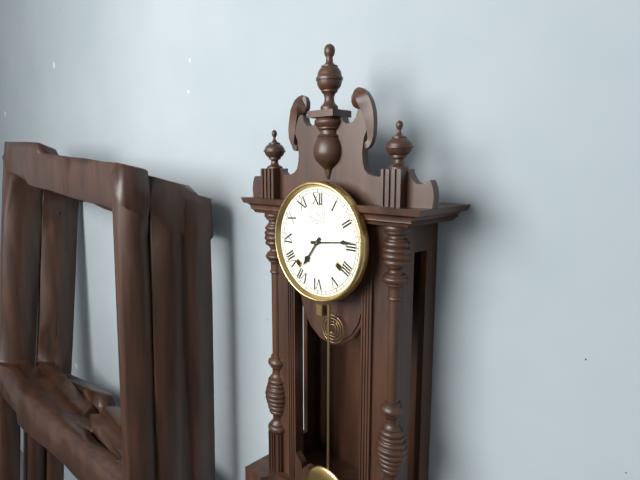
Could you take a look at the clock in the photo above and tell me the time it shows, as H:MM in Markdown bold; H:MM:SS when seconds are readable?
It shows **7:14**
